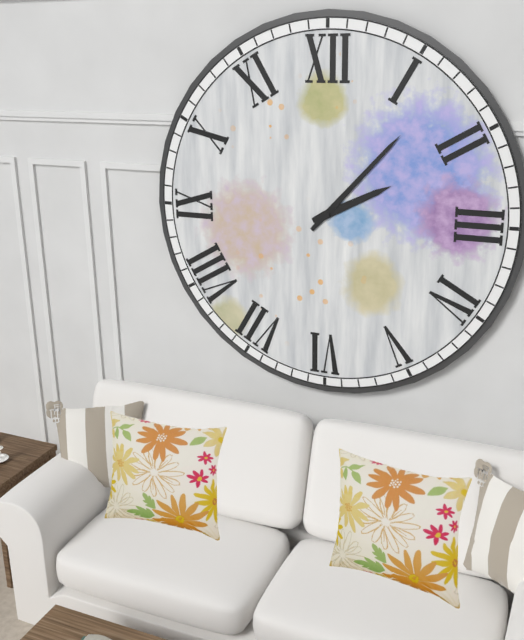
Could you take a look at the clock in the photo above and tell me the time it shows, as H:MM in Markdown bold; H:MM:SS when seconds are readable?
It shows **2:07**
